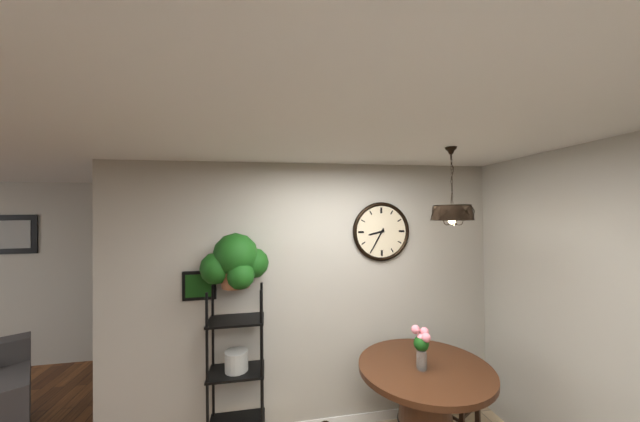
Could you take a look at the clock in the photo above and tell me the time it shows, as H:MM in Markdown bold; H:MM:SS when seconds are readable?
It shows **8:35**
